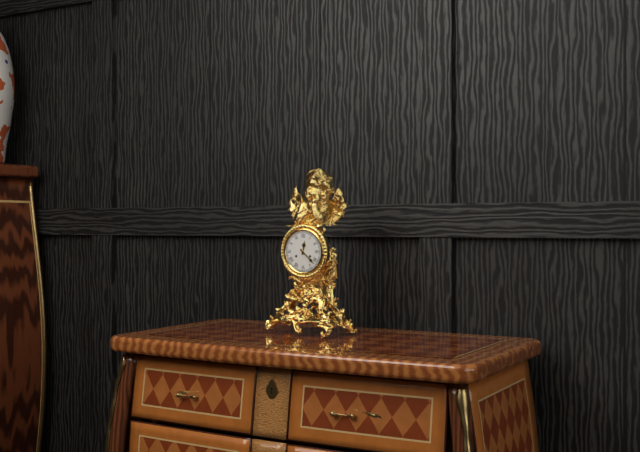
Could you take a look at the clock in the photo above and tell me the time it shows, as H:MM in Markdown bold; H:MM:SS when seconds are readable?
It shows **12:22**
